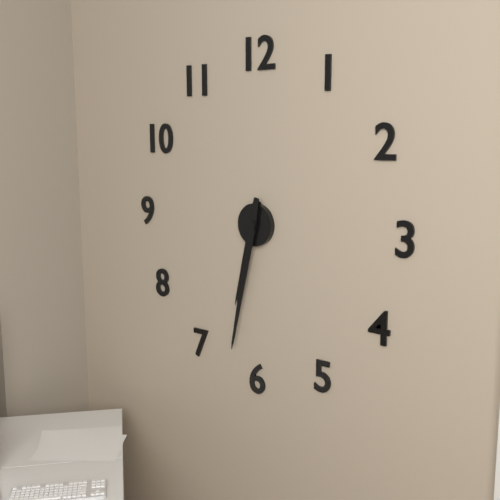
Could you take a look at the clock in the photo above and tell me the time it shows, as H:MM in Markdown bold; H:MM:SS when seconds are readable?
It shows **6:32**
